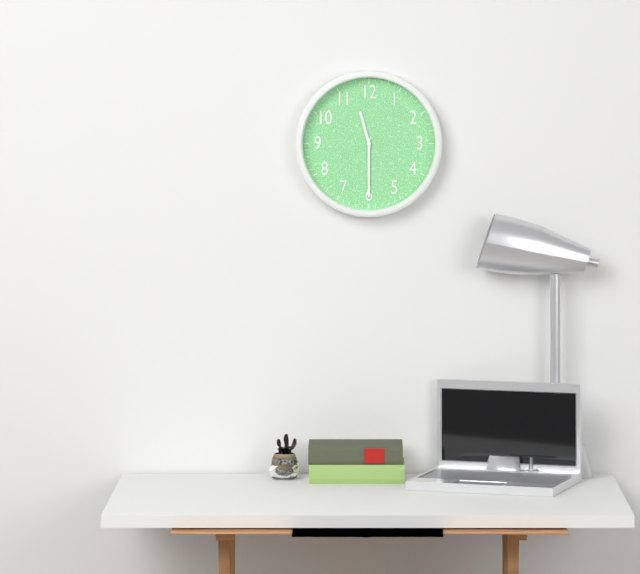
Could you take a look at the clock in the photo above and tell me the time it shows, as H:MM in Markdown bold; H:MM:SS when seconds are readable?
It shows **11:30**
